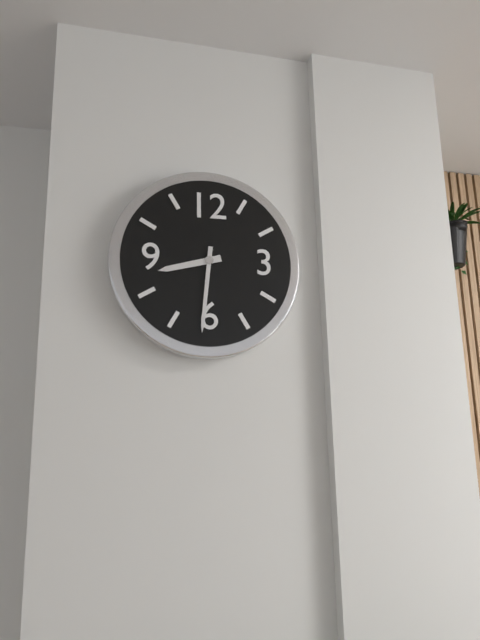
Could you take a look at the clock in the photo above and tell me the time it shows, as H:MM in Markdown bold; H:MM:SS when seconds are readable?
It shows **8:31**
